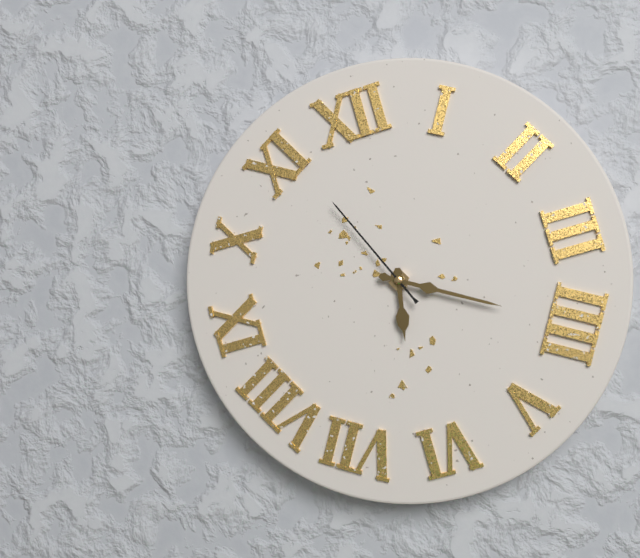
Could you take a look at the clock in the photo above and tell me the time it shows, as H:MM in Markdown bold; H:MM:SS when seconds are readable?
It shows **6:20:56**
